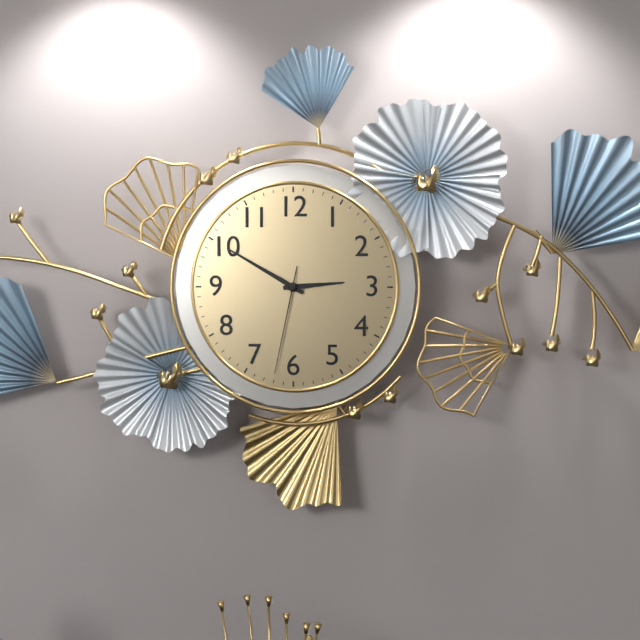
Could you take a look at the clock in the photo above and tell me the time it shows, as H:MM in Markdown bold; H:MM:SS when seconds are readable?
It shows **2:50:32**
